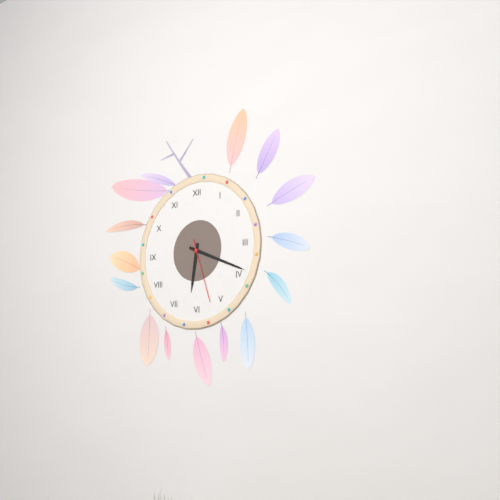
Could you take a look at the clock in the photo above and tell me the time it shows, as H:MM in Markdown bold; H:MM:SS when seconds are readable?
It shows **6:19:27**
